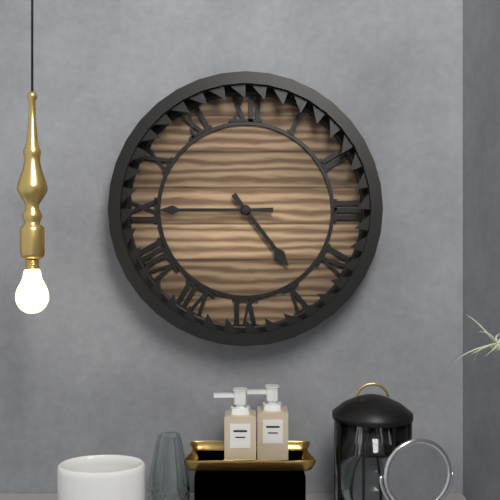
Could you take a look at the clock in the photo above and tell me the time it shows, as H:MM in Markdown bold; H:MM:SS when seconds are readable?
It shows **4:45**
